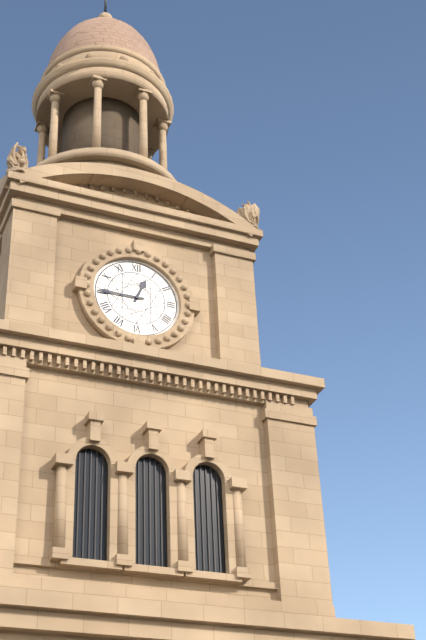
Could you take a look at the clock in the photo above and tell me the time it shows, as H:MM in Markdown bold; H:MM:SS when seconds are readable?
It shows **12:45**
